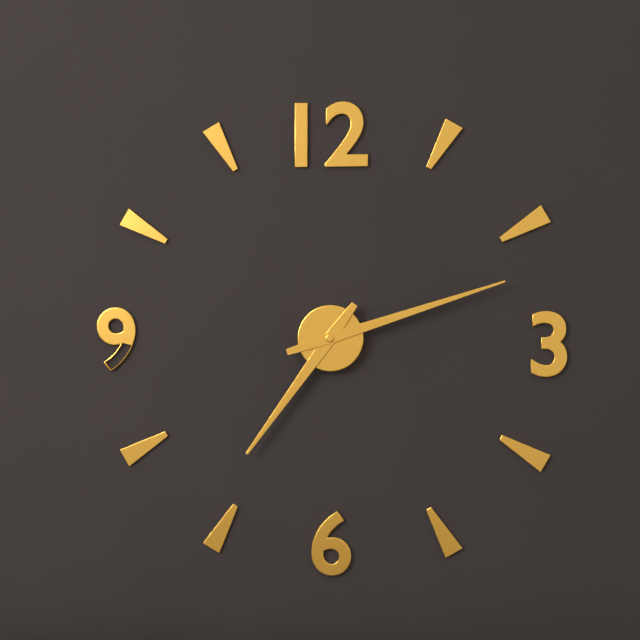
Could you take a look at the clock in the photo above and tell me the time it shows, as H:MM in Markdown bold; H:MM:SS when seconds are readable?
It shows **7:12**
